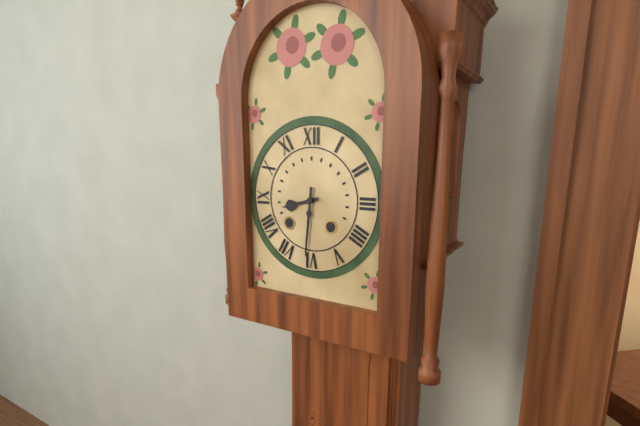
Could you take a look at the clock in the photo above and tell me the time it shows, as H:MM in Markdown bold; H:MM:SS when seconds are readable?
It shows **8:31**
